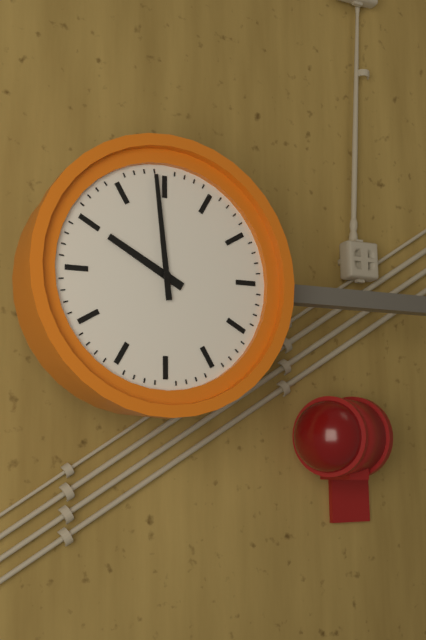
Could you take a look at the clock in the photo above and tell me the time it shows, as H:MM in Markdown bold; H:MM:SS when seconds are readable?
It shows **9:59**
